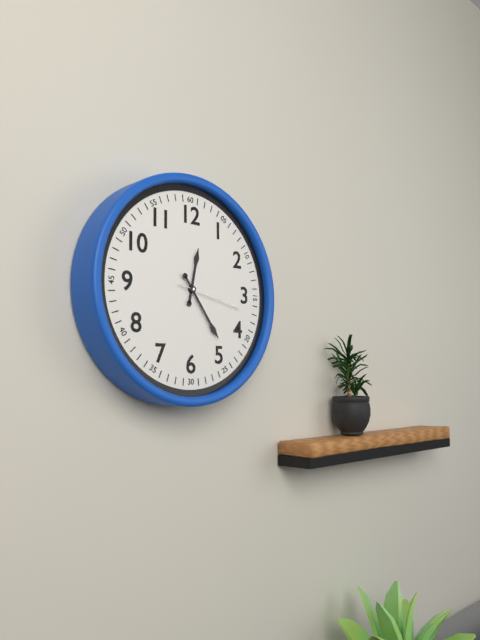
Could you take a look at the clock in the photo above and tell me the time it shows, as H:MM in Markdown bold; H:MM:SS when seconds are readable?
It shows **12:24:17**
